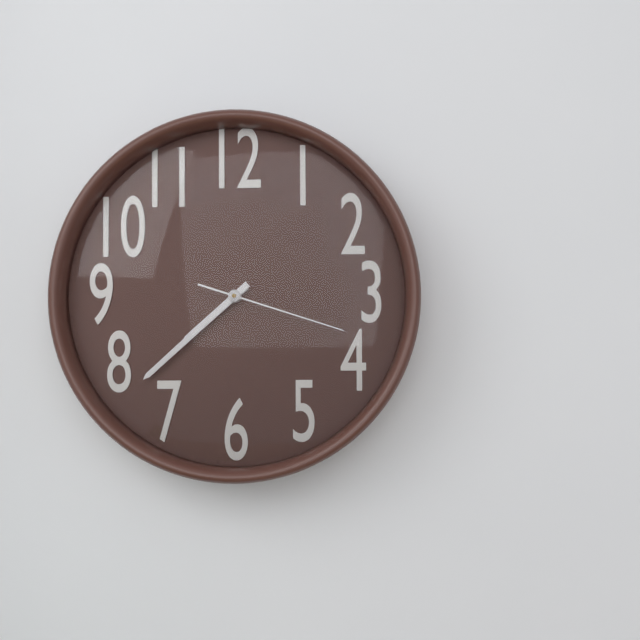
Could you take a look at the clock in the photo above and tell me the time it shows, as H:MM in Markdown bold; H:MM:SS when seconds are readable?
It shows **7:38:18**
